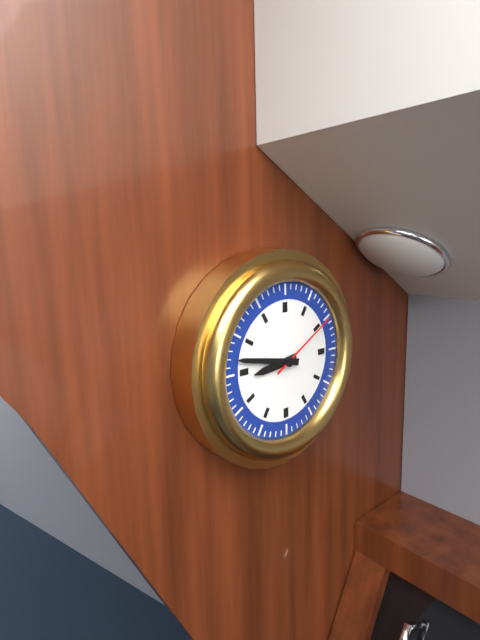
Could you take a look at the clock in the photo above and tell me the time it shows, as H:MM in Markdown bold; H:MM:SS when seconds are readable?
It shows **8:47:10**
